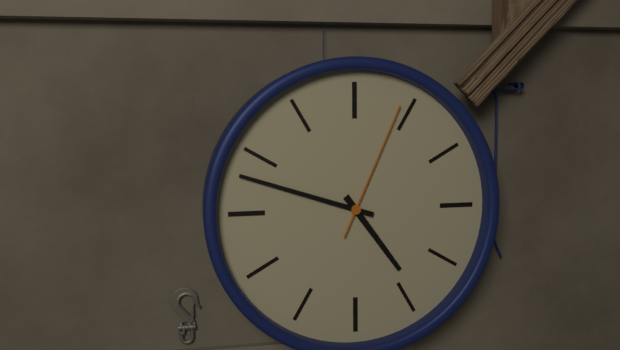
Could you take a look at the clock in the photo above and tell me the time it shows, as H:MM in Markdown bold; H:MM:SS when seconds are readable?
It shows **4:48:04**
